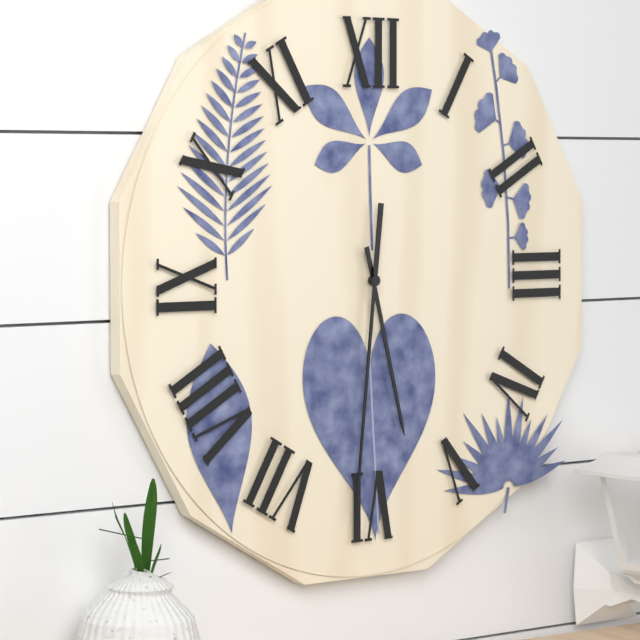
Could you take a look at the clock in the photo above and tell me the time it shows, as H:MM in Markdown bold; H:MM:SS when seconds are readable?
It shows **5:31**
